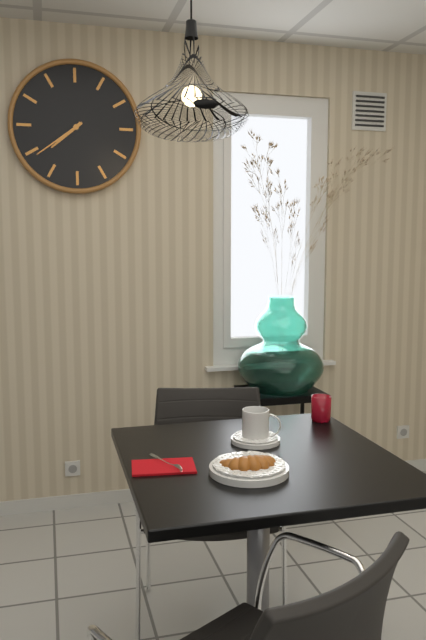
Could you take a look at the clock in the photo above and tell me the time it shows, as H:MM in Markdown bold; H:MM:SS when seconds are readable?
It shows **7:39**
